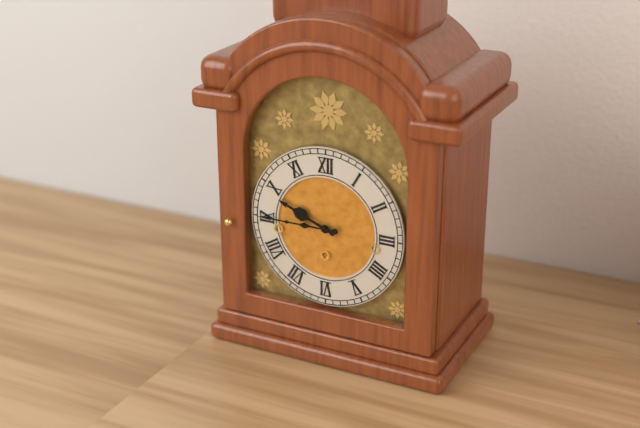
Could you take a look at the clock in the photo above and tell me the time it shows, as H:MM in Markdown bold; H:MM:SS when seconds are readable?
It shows **9:45**
